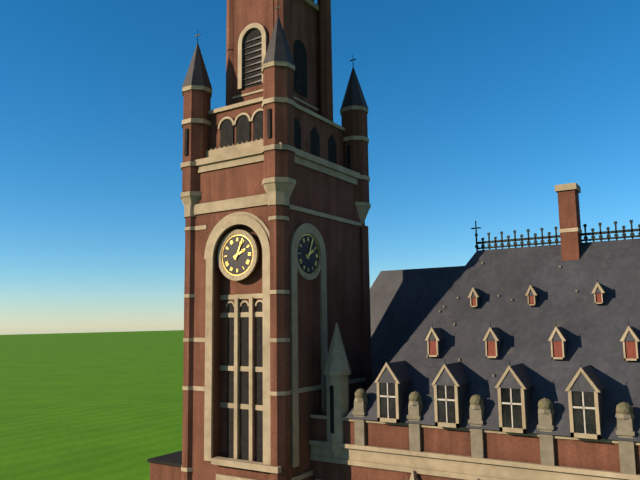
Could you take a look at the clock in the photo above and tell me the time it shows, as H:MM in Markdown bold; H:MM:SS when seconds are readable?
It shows **2:04**
